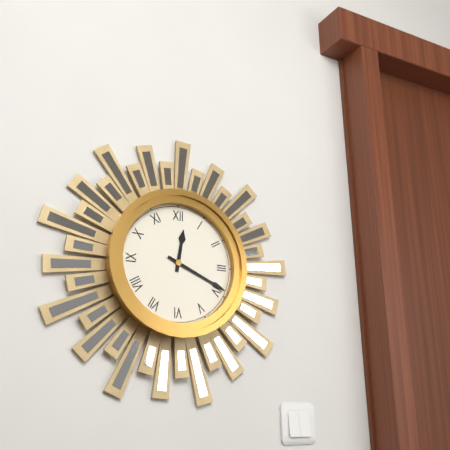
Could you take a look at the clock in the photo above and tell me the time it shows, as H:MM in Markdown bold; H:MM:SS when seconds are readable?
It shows **12:19**
